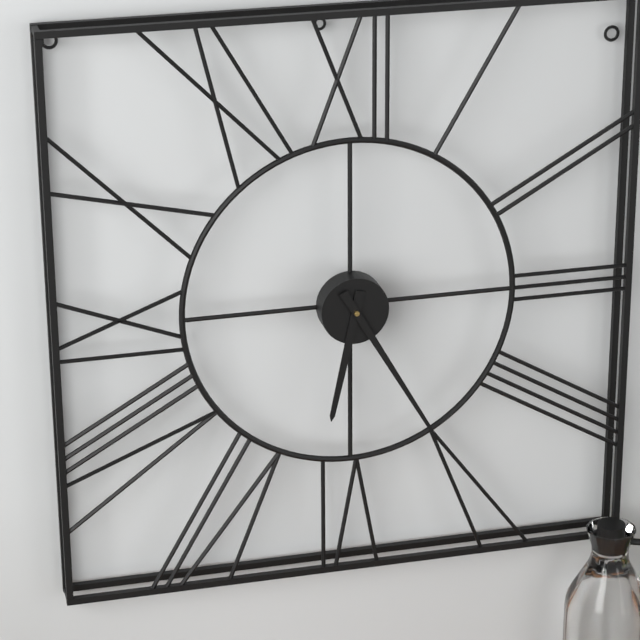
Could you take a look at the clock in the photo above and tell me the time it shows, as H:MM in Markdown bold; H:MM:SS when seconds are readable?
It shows **6:25**
